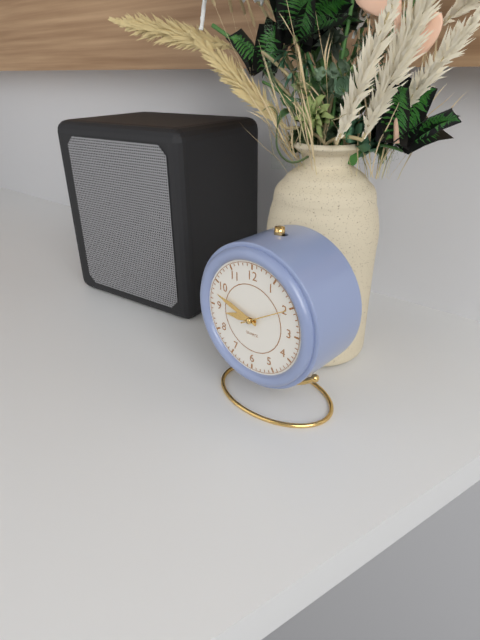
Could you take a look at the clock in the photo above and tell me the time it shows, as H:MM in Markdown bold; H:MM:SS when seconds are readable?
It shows **8:48**
